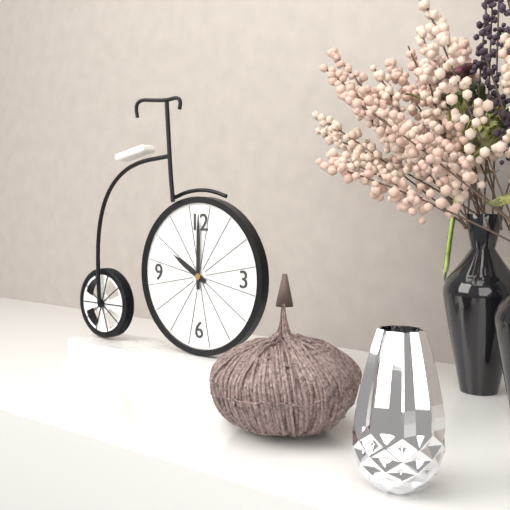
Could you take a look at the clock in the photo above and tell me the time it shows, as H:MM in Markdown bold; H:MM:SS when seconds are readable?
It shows **10:00**
